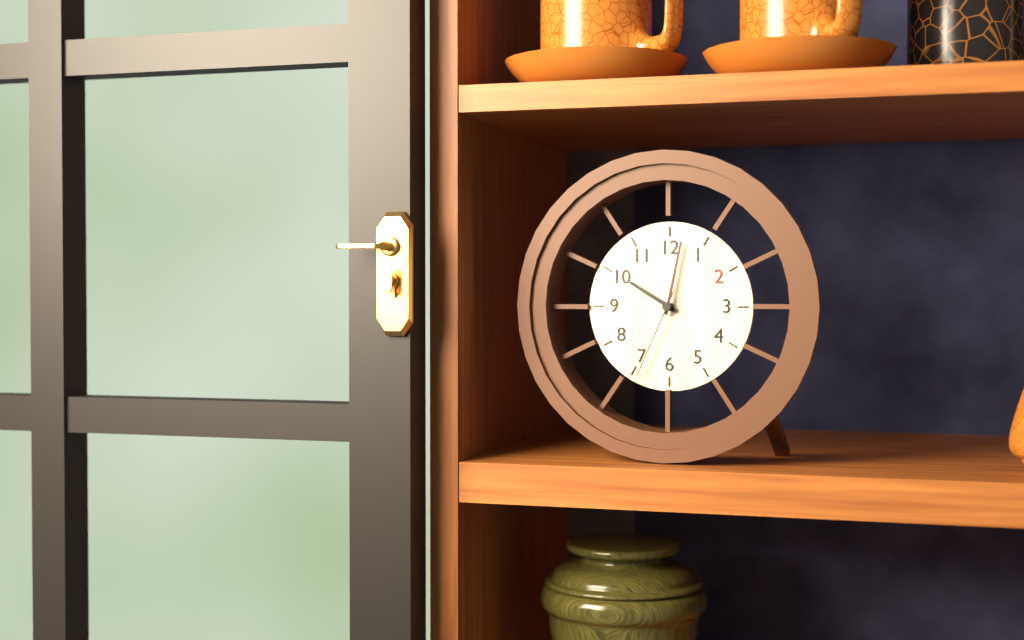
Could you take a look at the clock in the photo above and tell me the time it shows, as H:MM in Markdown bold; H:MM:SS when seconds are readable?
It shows **10:02:34**
